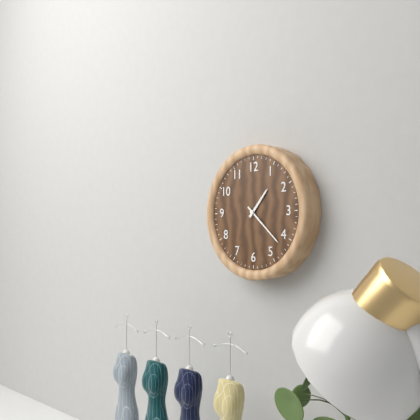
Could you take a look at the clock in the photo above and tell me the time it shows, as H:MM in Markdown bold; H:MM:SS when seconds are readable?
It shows **1:22**
